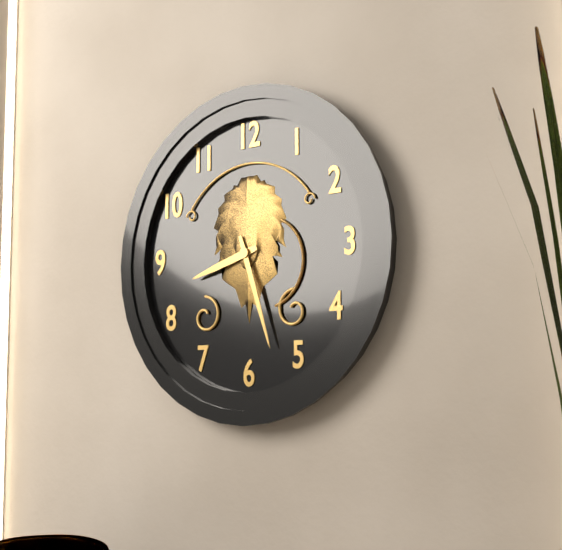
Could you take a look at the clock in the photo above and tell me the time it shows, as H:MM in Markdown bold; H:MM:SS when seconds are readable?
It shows **8:27**
